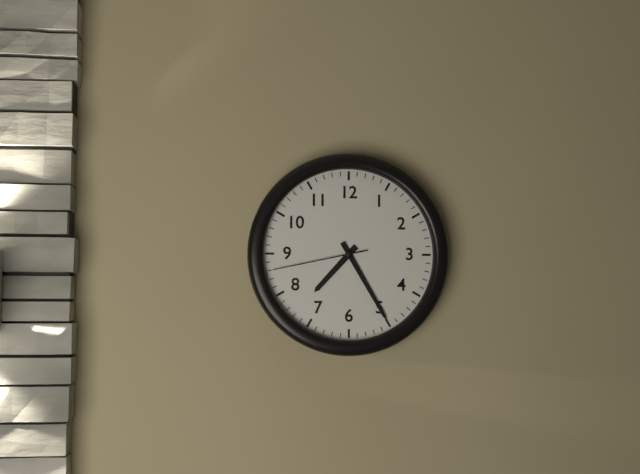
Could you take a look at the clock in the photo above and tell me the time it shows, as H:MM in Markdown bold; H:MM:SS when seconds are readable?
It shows **7:25:43**
